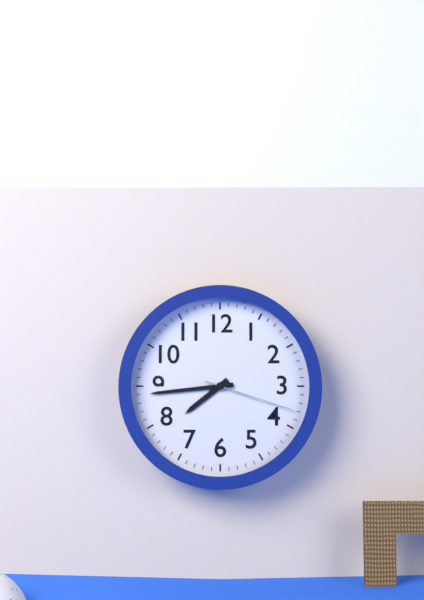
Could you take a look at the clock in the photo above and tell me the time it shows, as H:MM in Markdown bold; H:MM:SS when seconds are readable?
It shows **7:44:18**
